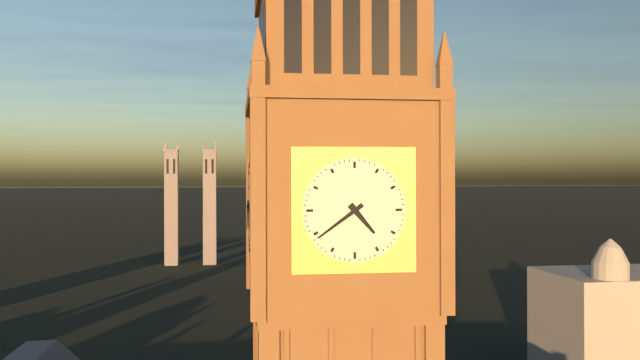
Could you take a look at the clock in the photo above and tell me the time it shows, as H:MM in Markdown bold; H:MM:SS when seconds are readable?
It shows **4:39**
